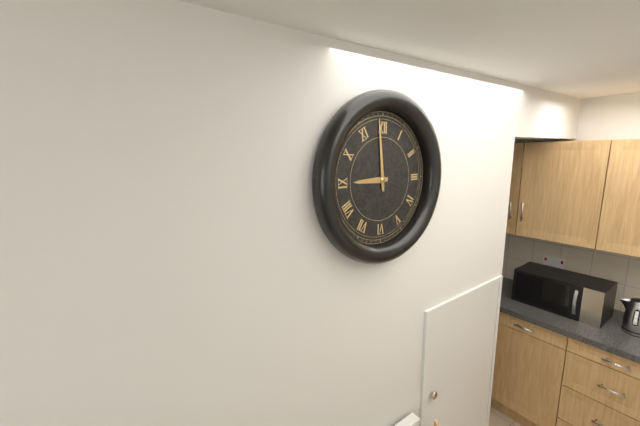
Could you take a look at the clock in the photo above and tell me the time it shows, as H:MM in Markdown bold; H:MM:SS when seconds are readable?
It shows **8:59**
